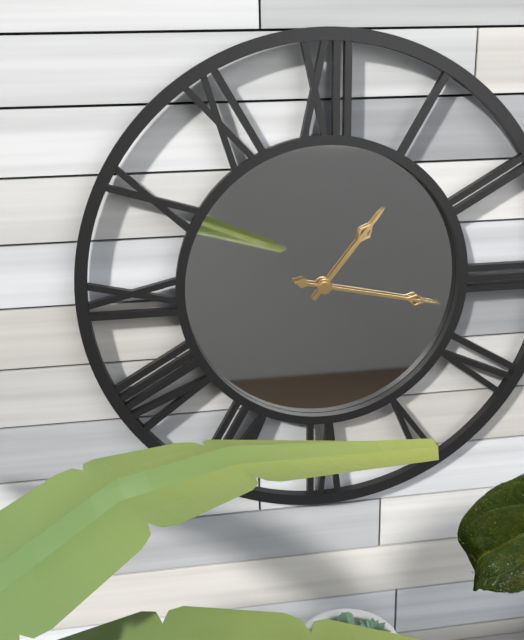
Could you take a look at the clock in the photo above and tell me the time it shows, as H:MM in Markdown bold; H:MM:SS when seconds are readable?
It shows **1:17**
